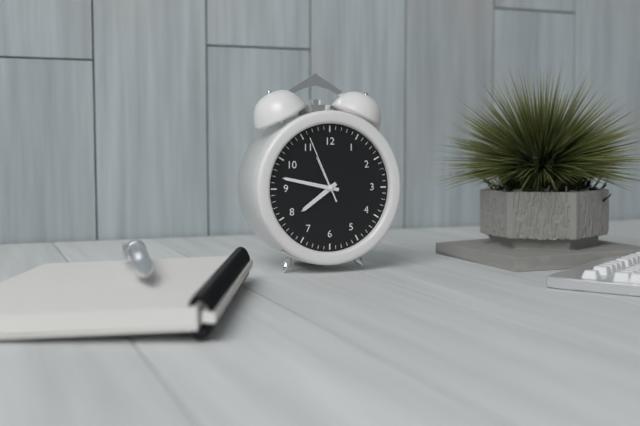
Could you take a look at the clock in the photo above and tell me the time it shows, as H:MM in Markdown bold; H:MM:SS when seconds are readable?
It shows **7:47:56**
